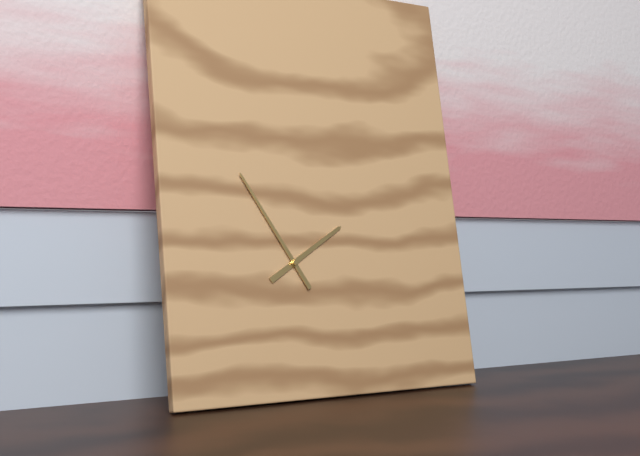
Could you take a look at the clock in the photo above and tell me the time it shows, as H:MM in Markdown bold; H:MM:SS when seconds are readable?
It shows **1:55**
